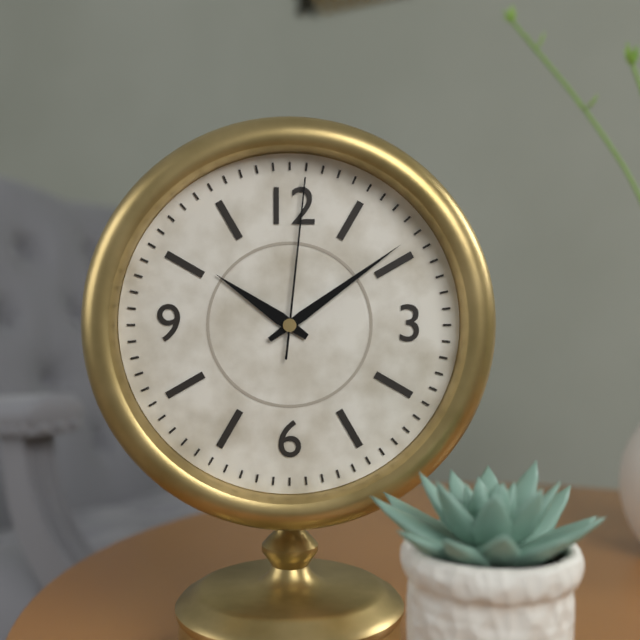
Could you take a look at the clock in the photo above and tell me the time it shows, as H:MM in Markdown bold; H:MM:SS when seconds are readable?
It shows **10:09:01**
